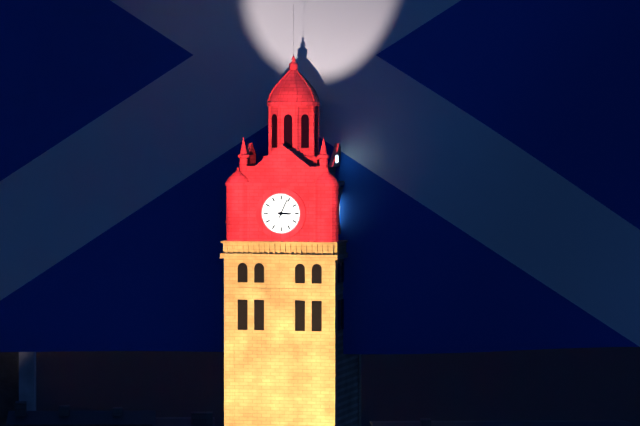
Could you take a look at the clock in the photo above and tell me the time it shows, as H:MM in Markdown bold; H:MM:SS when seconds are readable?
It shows **3:04**
